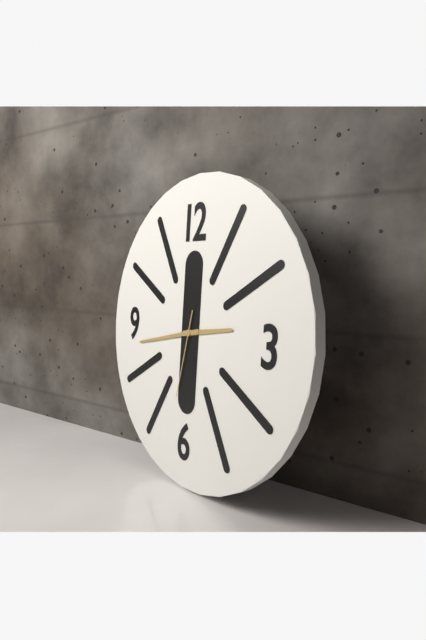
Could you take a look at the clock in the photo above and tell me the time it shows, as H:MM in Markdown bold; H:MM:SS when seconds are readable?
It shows **2:43:32**
